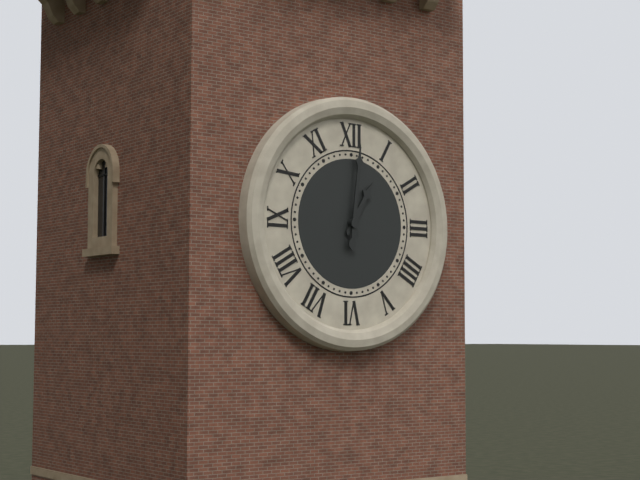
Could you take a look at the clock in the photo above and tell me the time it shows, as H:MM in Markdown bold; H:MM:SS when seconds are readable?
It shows **1:01**
